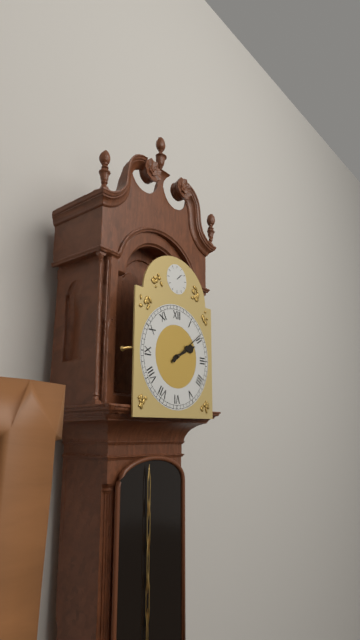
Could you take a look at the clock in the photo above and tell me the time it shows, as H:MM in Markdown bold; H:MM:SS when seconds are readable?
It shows **2:09**
